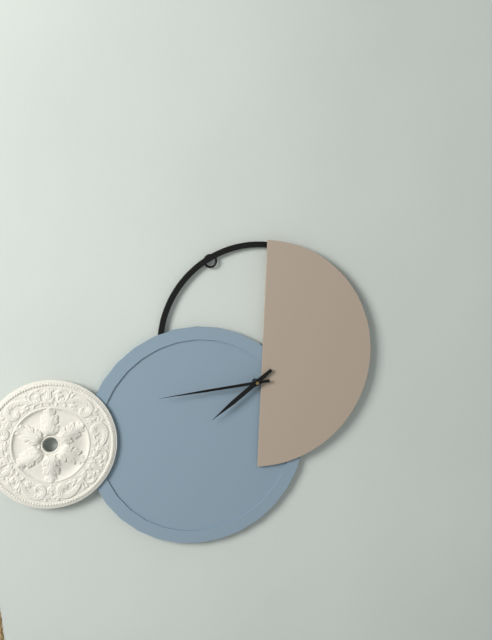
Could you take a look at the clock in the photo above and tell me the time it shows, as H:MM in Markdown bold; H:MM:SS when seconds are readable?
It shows **7:44**
